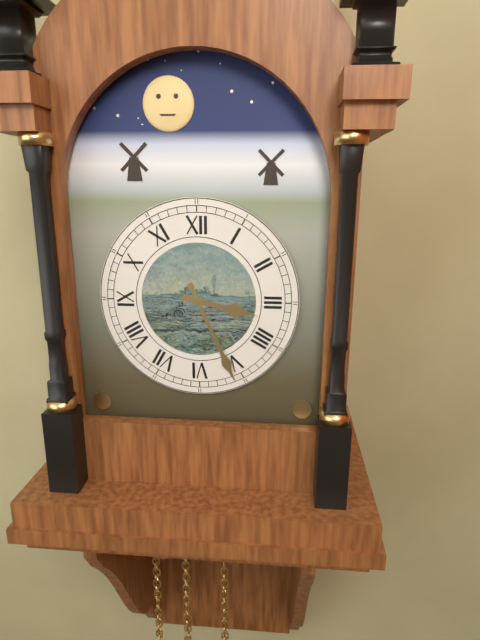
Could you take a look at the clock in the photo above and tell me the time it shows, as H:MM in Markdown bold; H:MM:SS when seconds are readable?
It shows **3:26**
